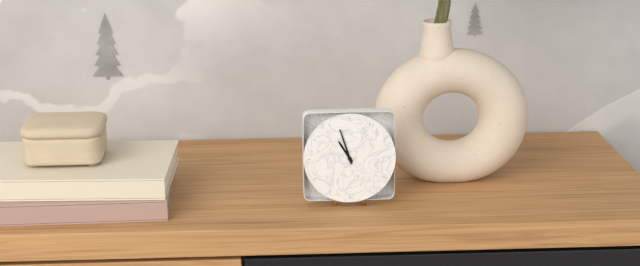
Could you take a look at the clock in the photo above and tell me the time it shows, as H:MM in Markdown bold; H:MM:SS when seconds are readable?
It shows **10:57**
